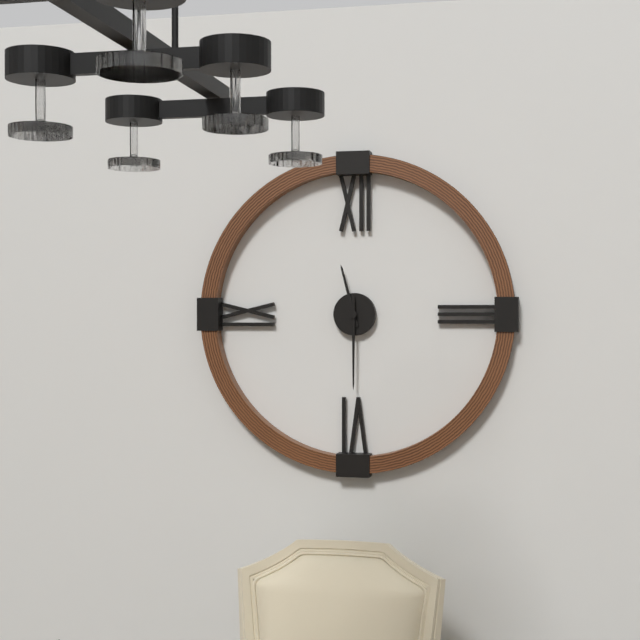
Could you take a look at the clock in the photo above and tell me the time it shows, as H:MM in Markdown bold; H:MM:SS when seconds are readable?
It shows **11:30**
